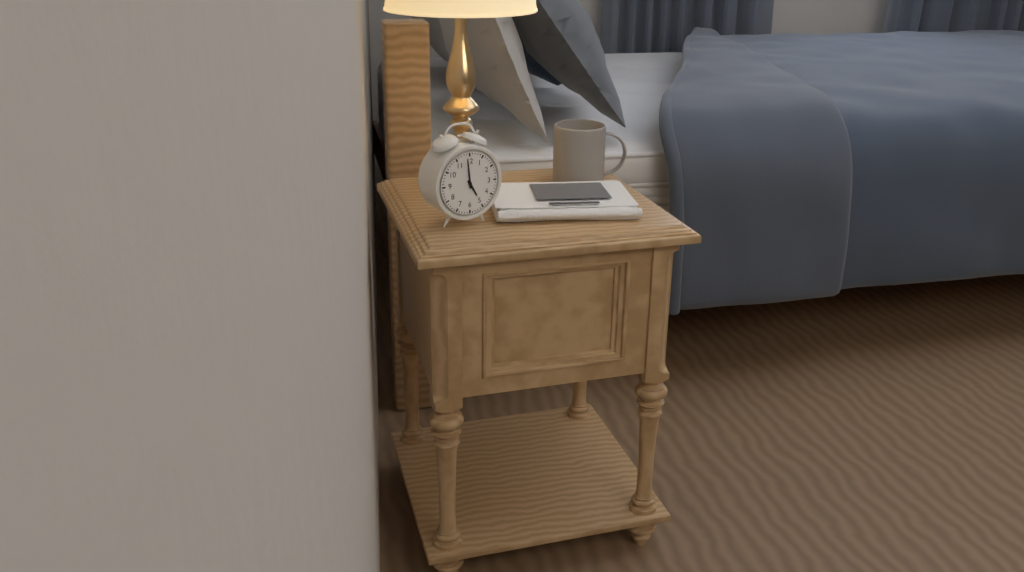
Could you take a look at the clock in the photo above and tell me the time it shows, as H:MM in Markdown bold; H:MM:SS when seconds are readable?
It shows **4:59**
